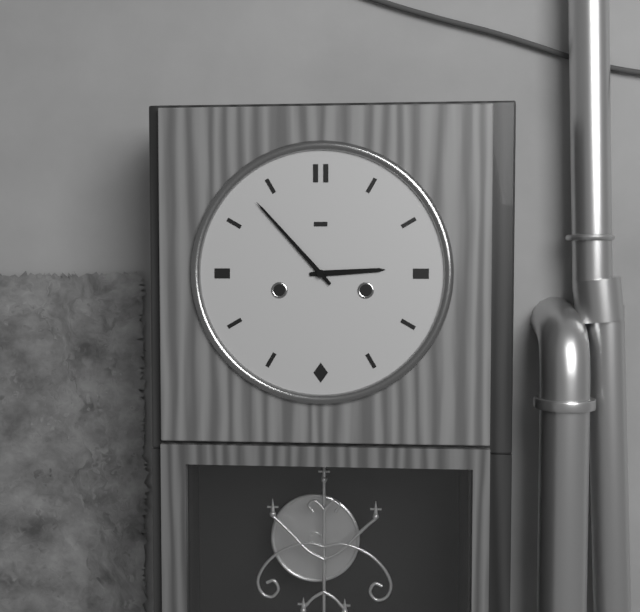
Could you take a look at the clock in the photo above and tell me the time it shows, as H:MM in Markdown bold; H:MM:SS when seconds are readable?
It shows **2:53**
